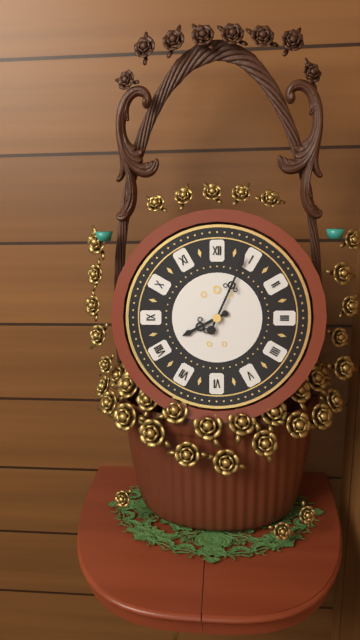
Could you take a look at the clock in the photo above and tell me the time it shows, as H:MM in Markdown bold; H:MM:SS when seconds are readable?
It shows **8:04**
